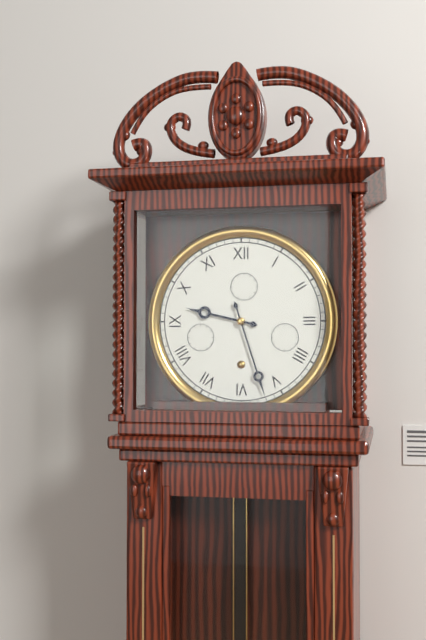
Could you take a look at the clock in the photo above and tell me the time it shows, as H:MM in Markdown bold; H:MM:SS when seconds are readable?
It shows **9:27**
